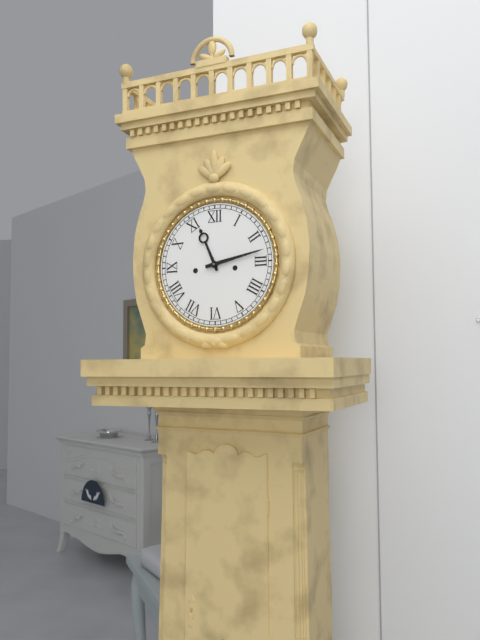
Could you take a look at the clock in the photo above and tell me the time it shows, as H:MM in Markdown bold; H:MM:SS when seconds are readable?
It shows **11:13**
